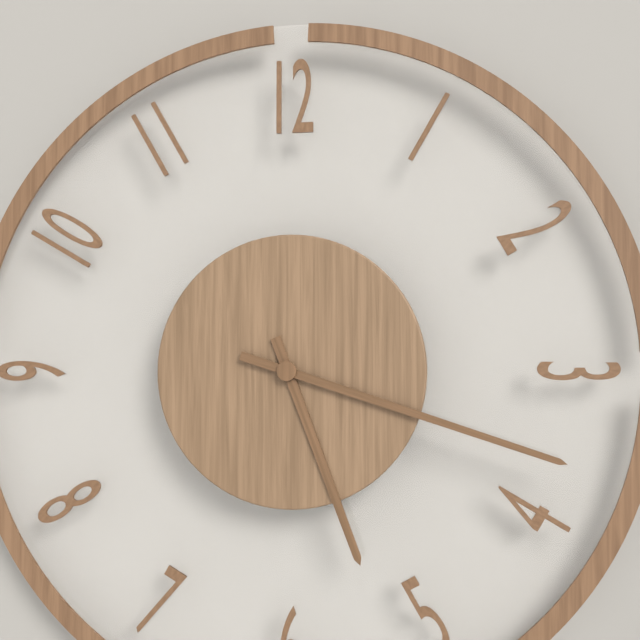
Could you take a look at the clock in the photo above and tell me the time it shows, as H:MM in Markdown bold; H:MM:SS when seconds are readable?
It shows **5:18**
